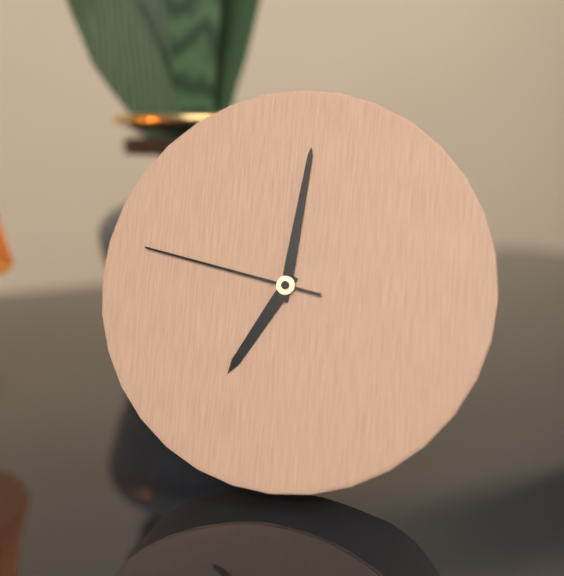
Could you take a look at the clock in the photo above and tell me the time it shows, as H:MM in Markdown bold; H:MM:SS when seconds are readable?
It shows **7:01:47**
